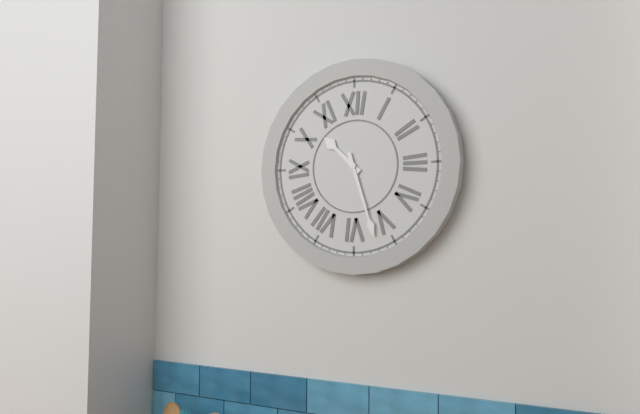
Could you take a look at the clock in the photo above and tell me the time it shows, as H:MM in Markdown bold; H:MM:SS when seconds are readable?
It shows **10:27**
